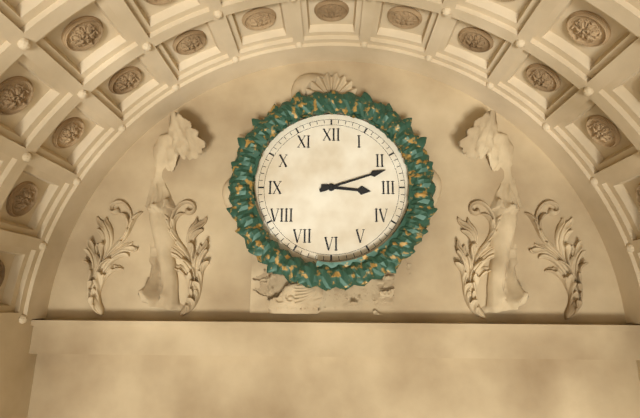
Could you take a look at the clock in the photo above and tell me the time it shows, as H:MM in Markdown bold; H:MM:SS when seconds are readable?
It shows **3:12**
